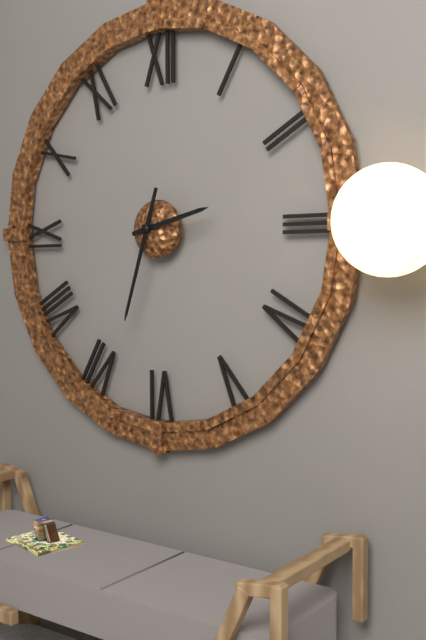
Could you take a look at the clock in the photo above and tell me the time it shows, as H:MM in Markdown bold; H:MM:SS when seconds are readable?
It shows **2:33**
